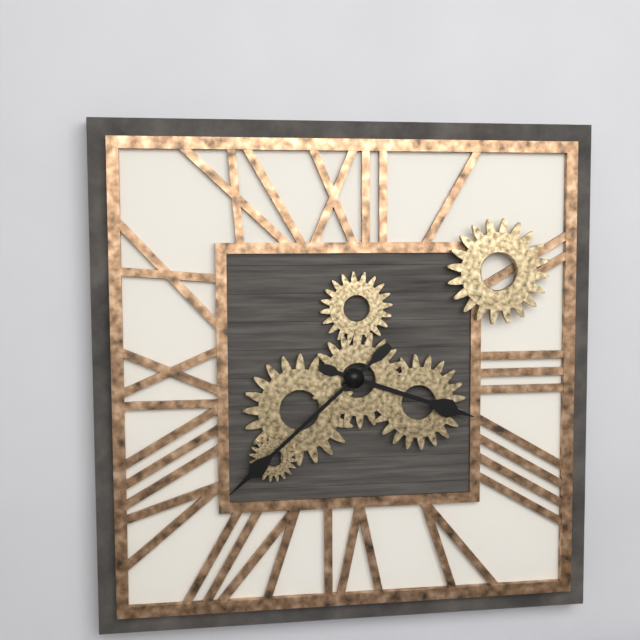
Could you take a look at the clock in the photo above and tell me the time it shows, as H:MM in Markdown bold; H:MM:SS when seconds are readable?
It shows **3:38**
